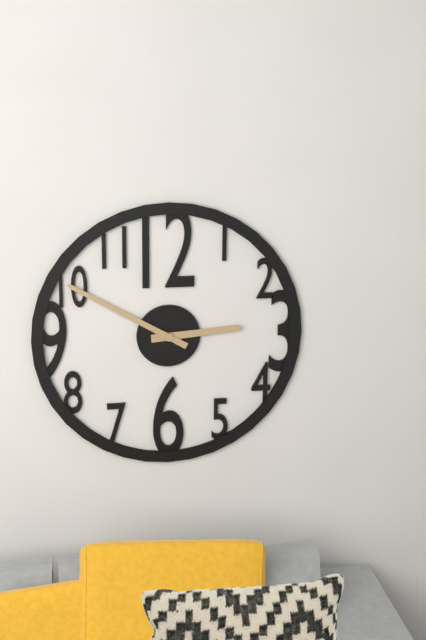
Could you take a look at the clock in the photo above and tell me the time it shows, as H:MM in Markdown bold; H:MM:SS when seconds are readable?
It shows **2:50**
